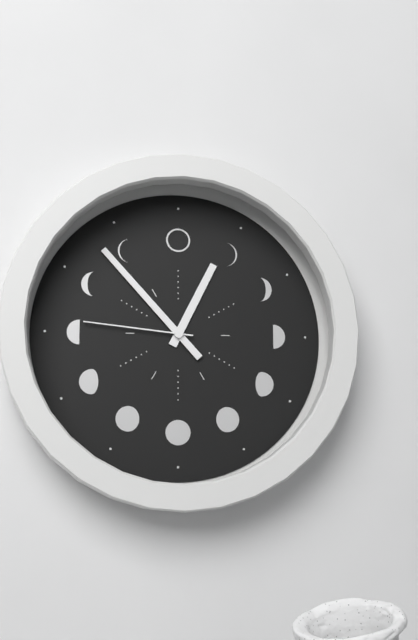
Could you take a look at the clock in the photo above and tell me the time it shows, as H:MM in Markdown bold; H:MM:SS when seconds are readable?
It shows **12:53:46**
